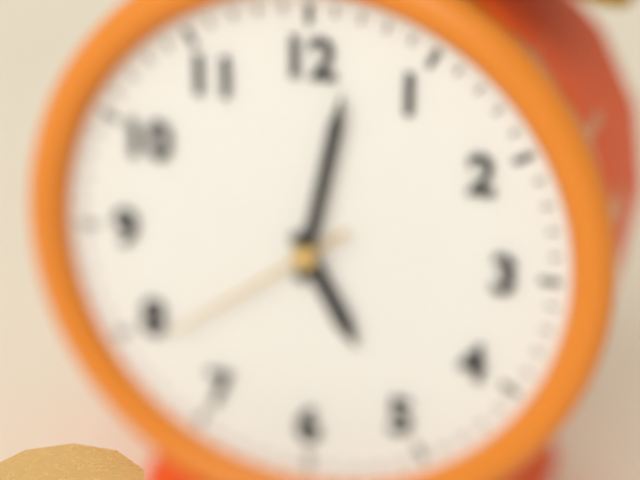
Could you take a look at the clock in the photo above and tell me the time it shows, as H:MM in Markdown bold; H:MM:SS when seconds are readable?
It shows **5:02:39**
